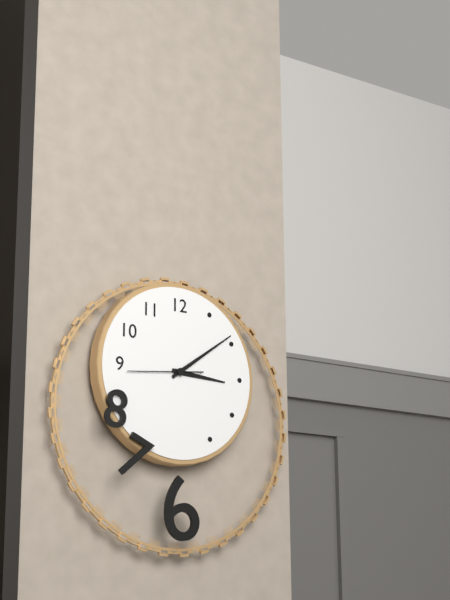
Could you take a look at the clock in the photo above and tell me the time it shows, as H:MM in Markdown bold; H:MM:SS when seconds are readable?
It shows **3:09:44**
